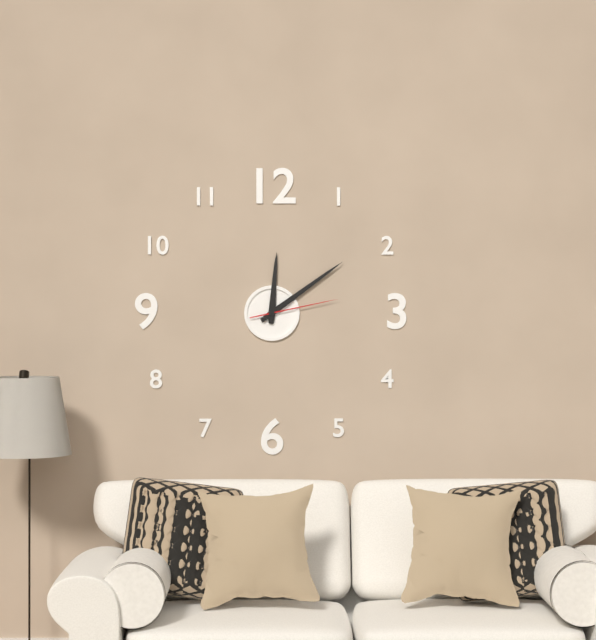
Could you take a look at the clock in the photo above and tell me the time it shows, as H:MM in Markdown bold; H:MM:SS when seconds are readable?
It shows **12:09:13**
